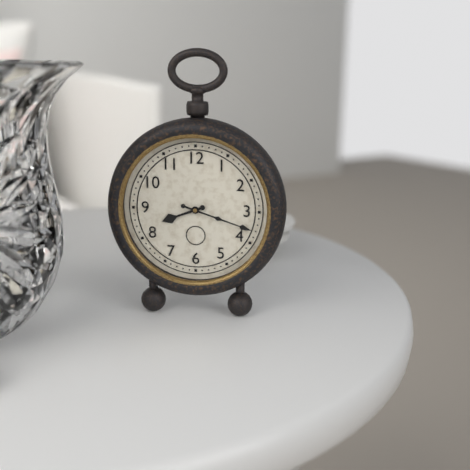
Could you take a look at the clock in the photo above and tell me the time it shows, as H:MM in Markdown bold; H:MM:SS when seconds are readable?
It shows **8:18**
